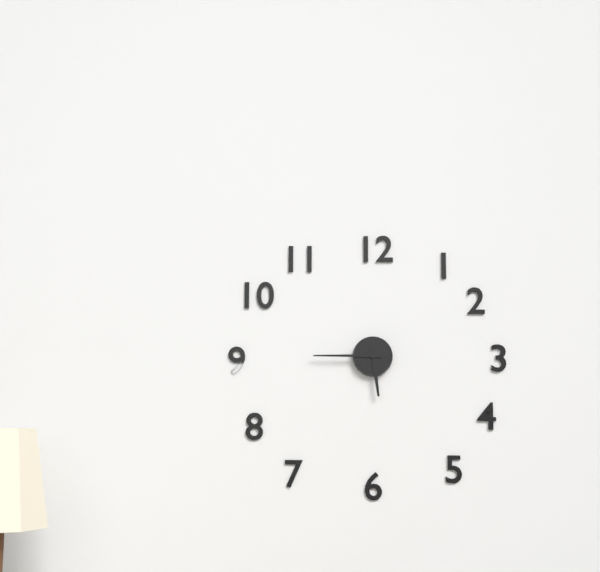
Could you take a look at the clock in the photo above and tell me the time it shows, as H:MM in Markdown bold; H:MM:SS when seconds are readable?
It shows **5:45**
